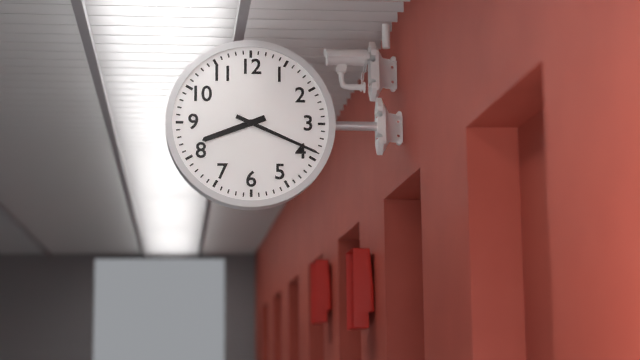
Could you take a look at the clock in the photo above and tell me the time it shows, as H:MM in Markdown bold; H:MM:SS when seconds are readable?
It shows **8:19**
